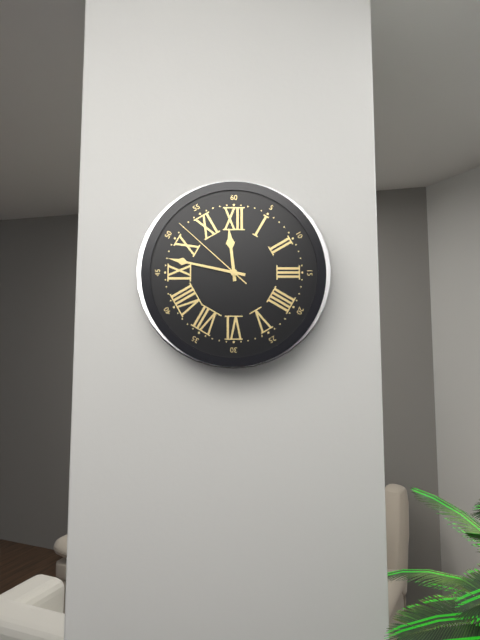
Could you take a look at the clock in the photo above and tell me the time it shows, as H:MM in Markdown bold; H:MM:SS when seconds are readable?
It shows **11:47:52**
